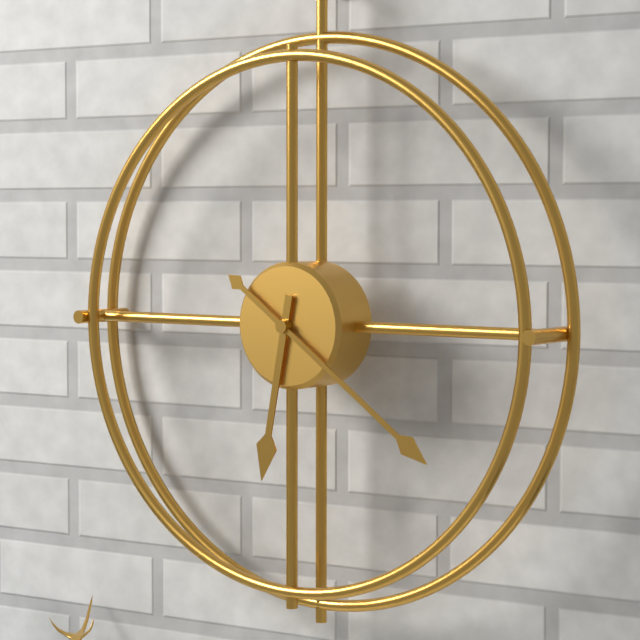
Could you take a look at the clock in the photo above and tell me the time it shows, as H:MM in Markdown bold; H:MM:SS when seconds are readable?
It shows **6:21**
